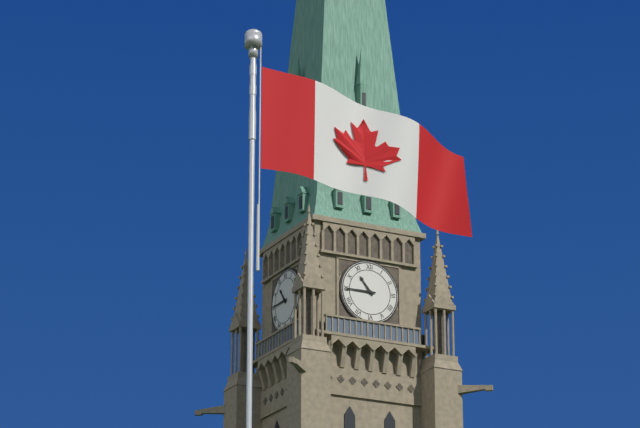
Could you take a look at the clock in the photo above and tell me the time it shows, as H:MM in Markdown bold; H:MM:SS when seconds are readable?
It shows **10:45**
